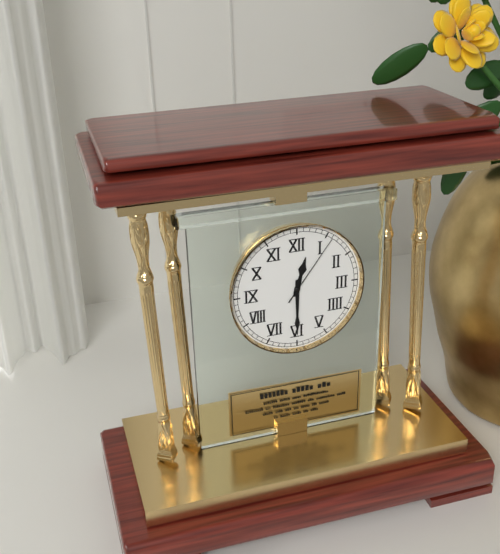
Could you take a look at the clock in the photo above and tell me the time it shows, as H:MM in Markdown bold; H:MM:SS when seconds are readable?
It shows **12:30:06**
